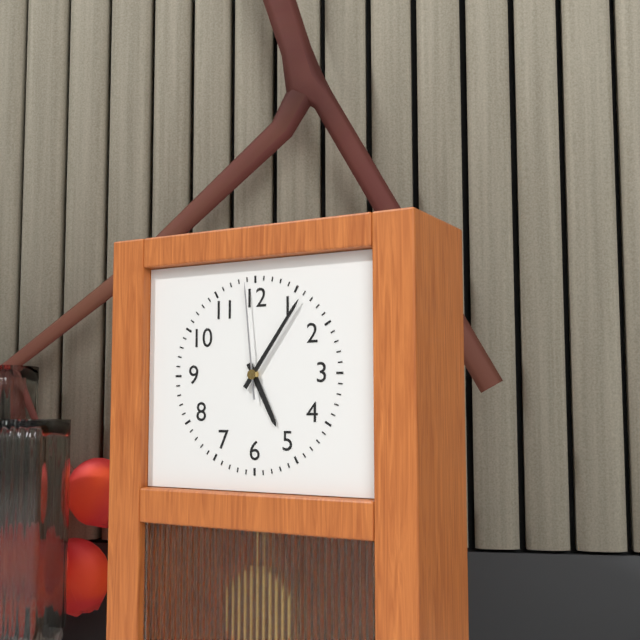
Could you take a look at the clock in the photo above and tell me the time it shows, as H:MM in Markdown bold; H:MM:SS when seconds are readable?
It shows **5:06:59**
